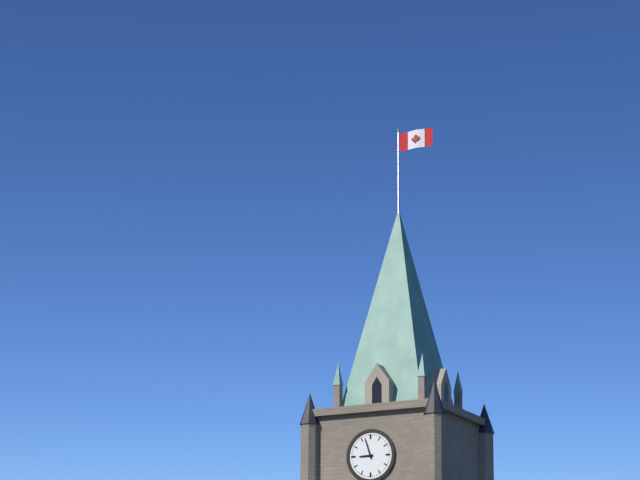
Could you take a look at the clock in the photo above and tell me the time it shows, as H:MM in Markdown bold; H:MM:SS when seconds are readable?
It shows **8:57**
